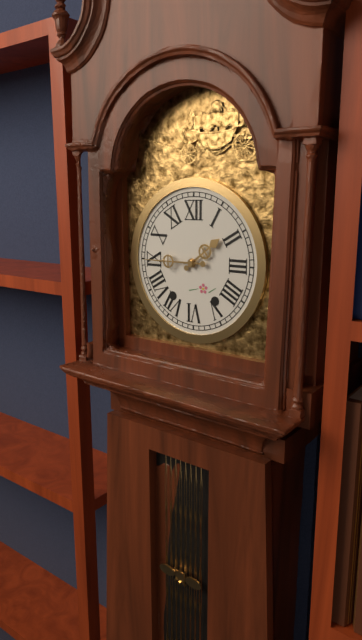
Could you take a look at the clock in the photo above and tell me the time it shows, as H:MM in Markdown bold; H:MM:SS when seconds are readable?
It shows **1:45**
